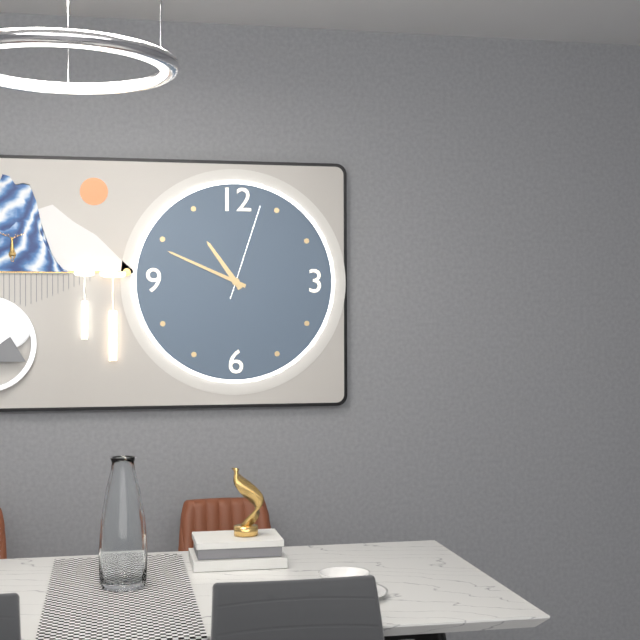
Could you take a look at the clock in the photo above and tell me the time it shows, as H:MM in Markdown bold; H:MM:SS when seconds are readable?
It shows **10:49:03**
